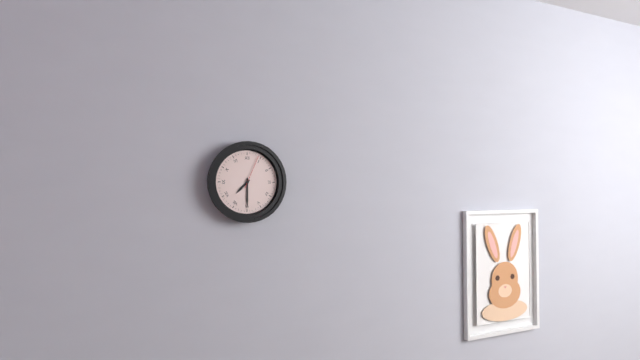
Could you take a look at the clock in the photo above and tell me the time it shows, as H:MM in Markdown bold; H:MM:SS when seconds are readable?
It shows **7:30**
